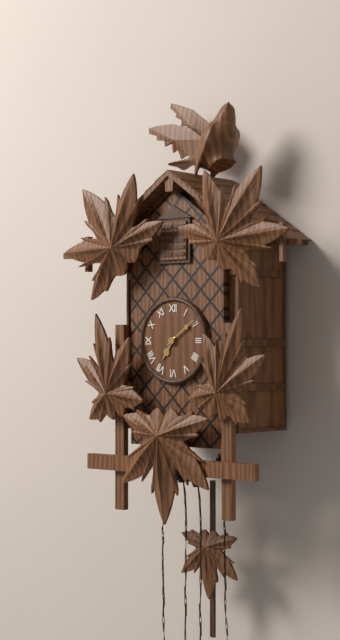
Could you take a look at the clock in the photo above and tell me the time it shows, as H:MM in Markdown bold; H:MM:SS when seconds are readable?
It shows **7:09**
